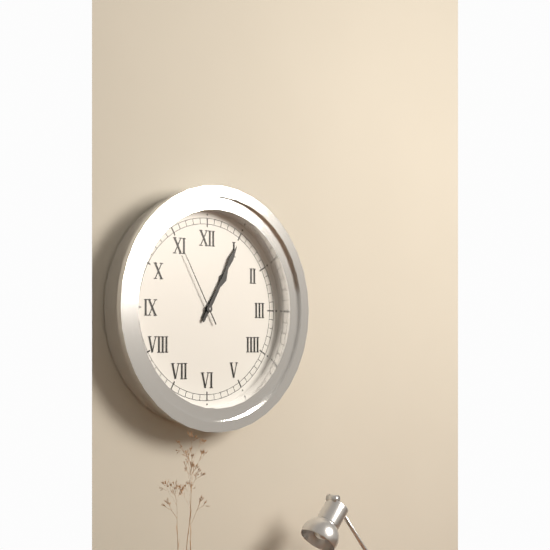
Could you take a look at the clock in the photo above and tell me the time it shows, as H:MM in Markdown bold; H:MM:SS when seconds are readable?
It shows **1:05:55**
